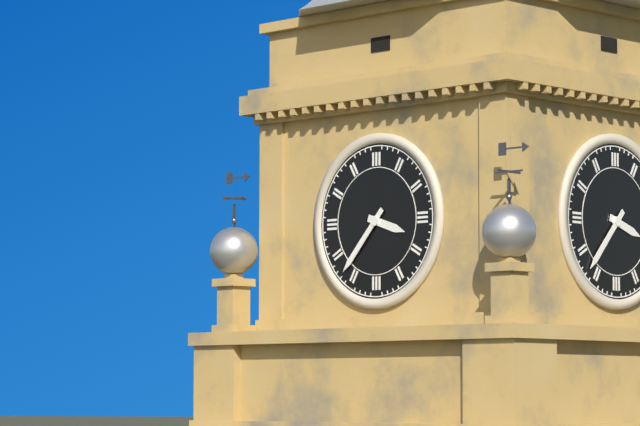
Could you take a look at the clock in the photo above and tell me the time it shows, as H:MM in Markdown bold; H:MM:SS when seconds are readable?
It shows **3:37**
